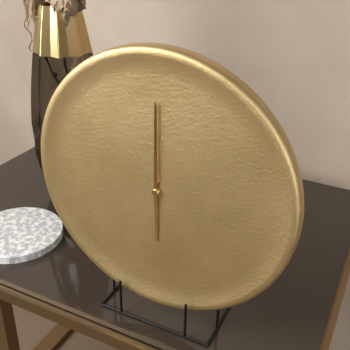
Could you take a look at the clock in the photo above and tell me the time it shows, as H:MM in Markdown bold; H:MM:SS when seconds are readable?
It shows **6:00**
